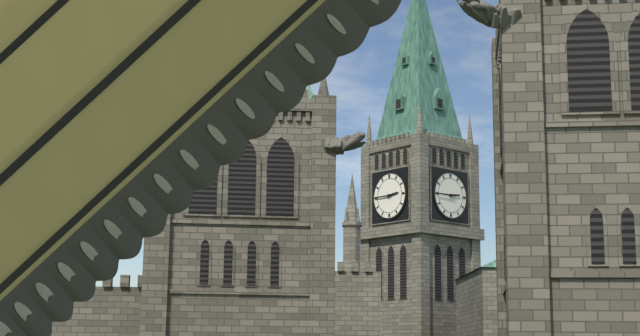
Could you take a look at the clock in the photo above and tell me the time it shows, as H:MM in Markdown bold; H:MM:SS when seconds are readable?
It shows **2:45**
